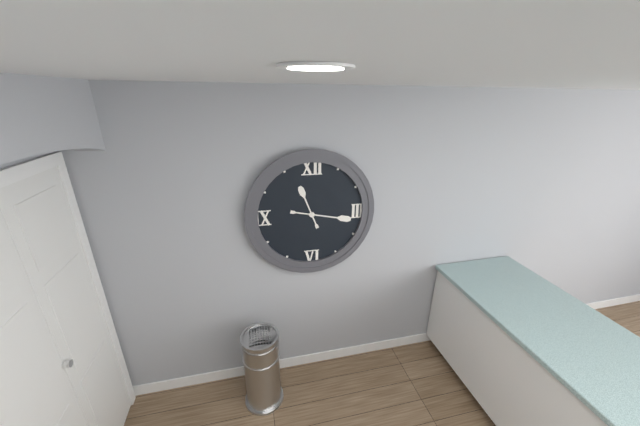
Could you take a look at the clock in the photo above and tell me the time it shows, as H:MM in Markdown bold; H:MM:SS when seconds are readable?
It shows **11:17**
